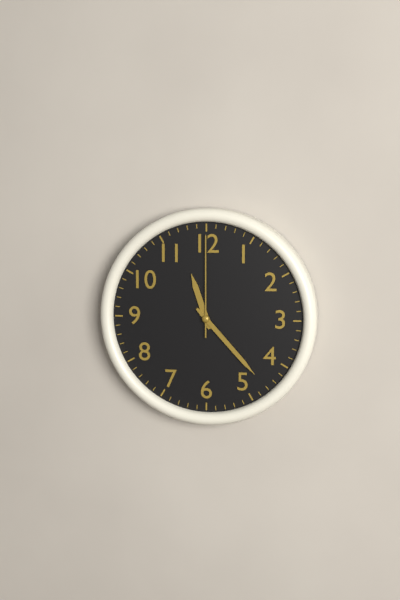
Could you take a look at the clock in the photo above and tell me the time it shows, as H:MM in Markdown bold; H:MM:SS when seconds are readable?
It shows **11:23:00**
